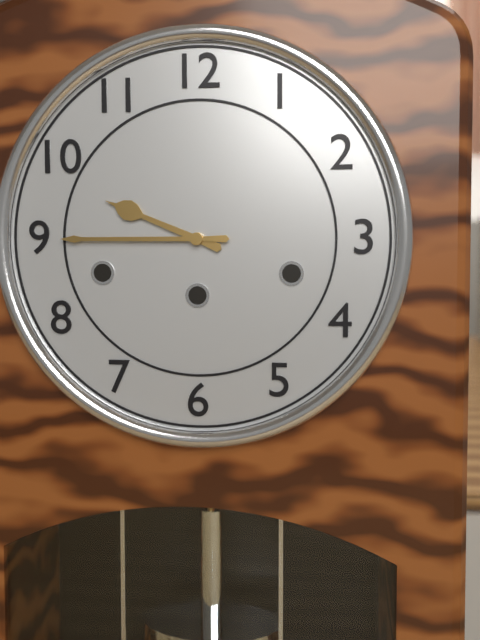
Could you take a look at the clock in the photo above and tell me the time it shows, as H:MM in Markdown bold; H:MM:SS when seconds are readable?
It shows **9:45**
